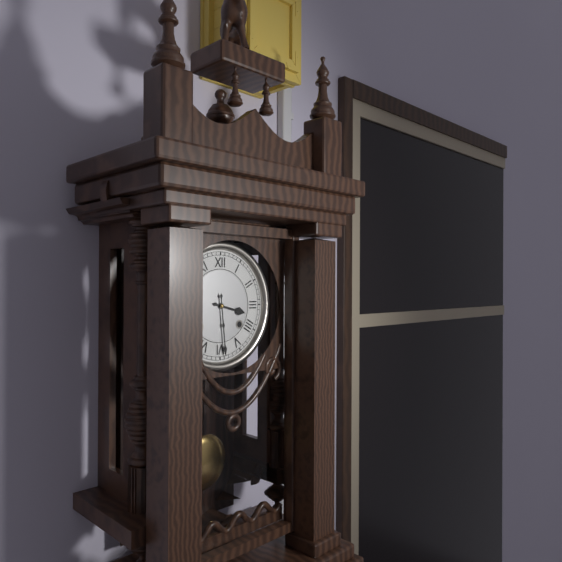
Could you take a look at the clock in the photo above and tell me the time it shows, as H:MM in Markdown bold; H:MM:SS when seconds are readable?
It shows **3:29**
